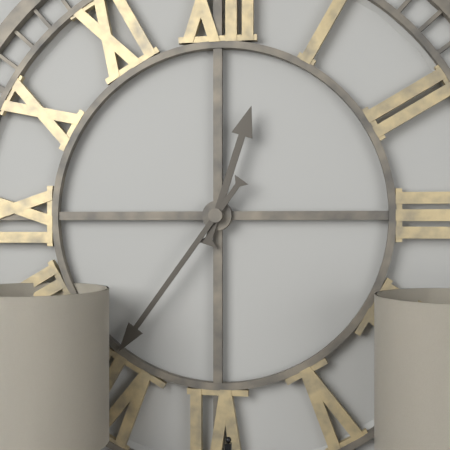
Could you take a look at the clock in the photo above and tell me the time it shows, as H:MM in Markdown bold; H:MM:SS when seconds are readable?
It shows **12:36**
